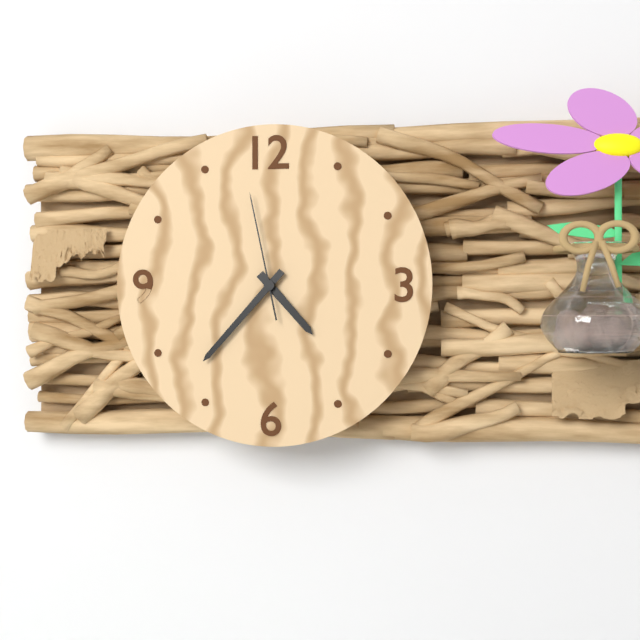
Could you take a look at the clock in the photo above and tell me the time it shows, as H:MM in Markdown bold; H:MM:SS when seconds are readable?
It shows **4:37:58**
